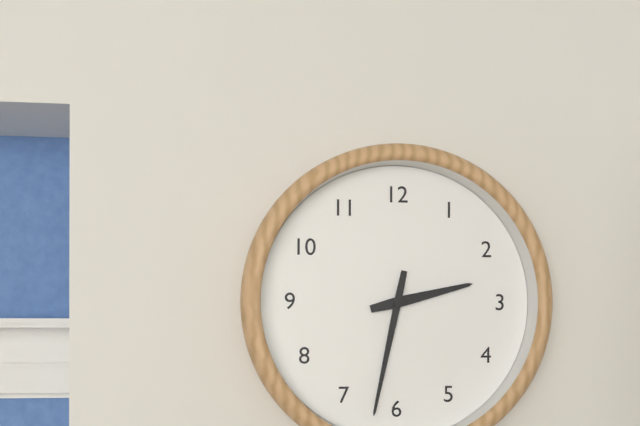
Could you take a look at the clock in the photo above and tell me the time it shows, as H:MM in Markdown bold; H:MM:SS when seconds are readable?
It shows **2:32**
